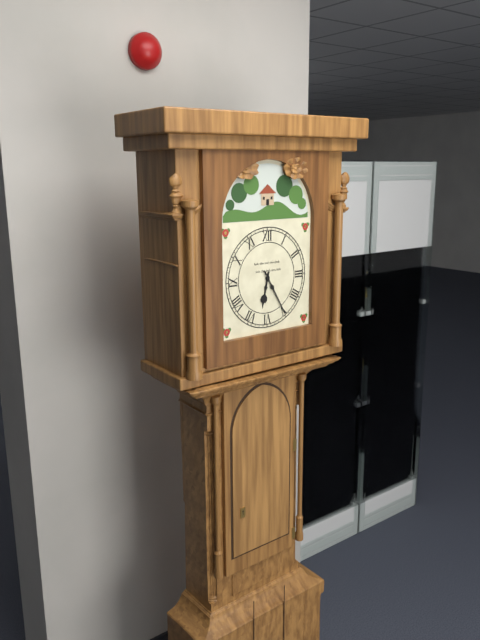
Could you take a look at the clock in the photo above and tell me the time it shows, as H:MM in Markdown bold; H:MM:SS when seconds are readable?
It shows **6:25**
